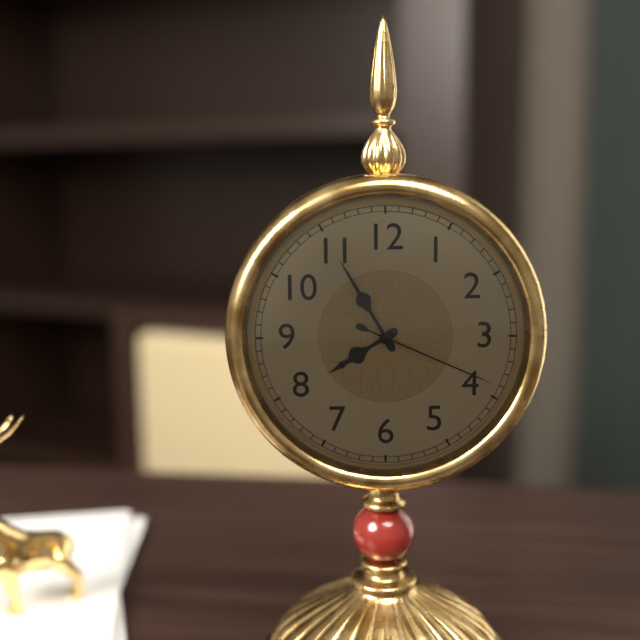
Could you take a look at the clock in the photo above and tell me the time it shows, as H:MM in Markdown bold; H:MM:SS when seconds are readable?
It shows **7:55:19**
